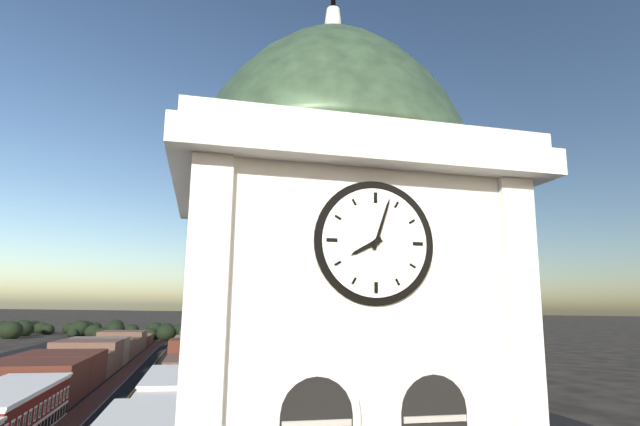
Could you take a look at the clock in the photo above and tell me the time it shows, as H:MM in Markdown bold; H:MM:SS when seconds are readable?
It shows **8:03**
